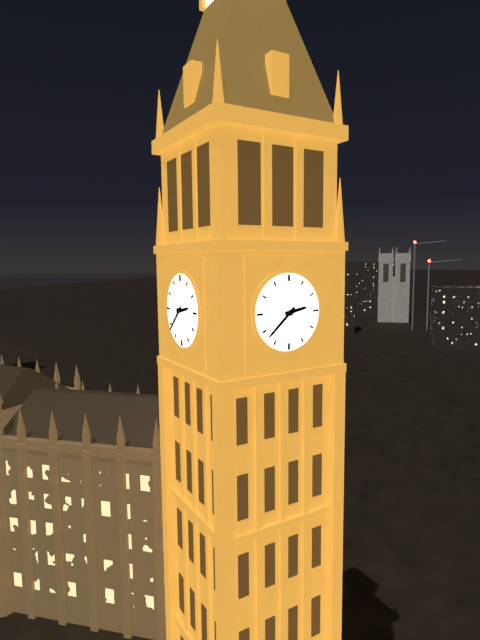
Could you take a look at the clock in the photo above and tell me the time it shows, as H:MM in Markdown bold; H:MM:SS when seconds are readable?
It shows **2:38**
